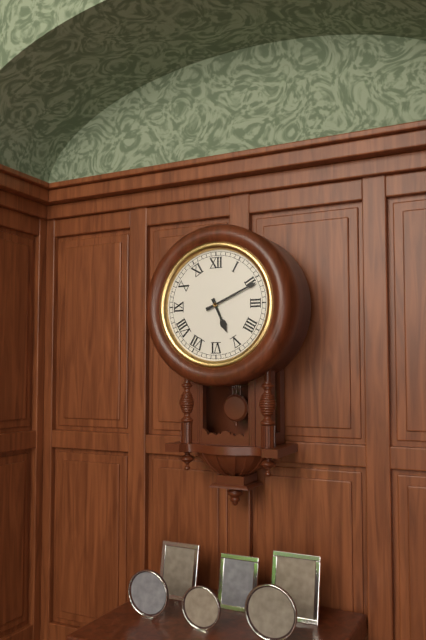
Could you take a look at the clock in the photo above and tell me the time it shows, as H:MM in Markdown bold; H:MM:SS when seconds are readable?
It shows **5:11**
